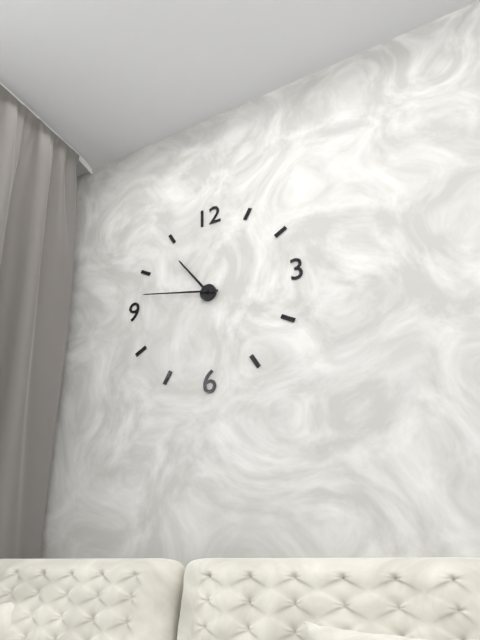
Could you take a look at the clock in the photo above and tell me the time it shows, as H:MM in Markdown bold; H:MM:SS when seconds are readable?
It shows **10:47**
